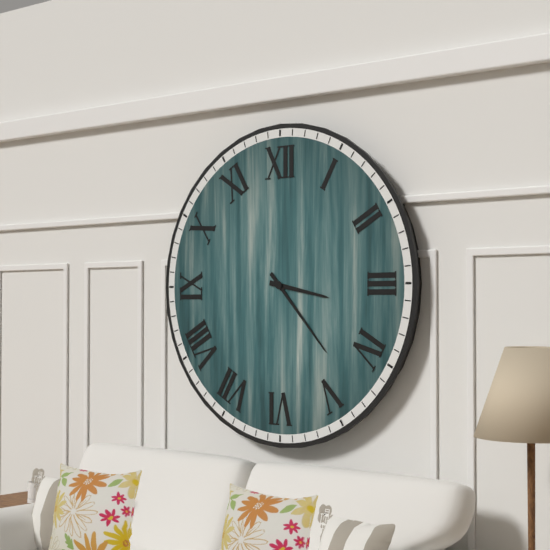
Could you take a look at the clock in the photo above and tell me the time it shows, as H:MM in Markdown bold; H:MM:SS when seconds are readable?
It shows **3:23**
